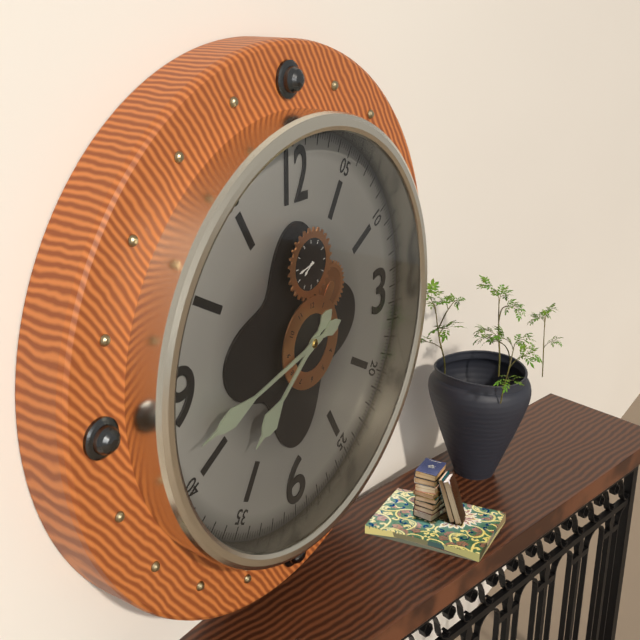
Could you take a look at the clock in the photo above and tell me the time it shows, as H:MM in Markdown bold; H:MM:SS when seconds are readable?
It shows **7:43**
